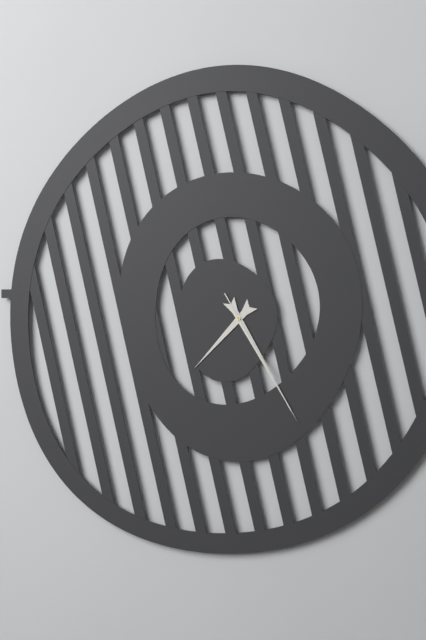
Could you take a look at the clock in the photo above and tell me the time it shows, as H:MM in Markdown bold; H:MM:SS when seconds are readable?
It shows **7:25:25**
